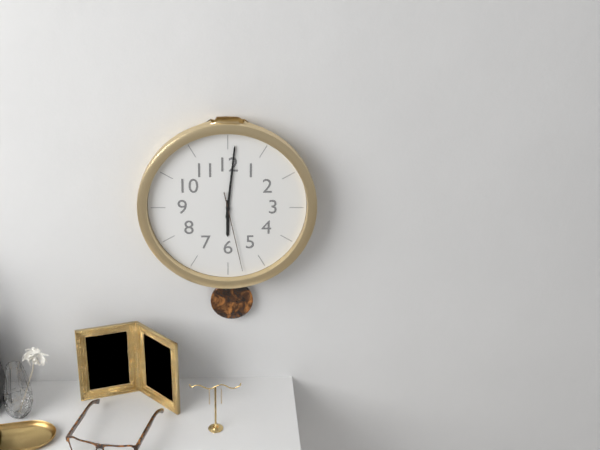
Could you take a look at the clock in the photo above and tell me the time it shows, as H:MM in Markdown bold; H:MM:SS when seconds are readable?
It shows **6:01:28**
